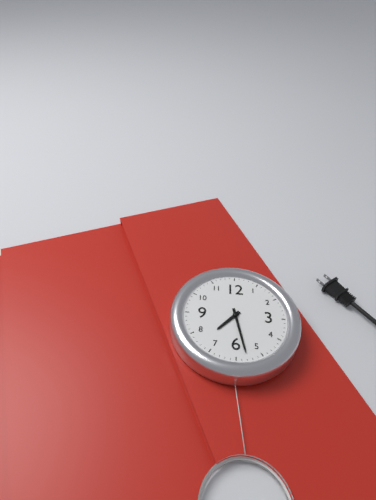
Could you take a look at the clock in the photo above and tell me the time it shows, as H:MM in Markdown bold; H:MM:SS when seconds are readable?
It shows **7:28**
